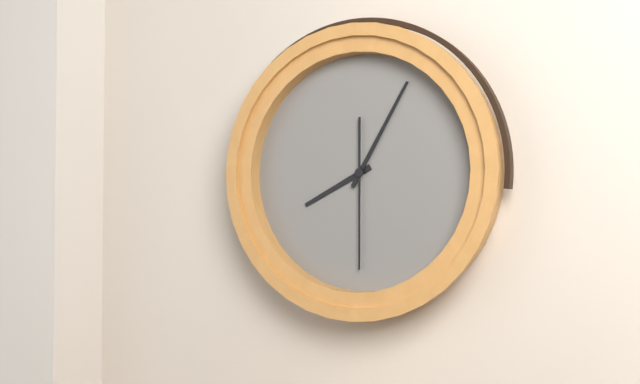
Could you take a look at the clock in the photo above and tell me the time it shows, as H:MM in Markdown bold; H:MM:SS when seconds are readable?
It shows **8:05:30**
